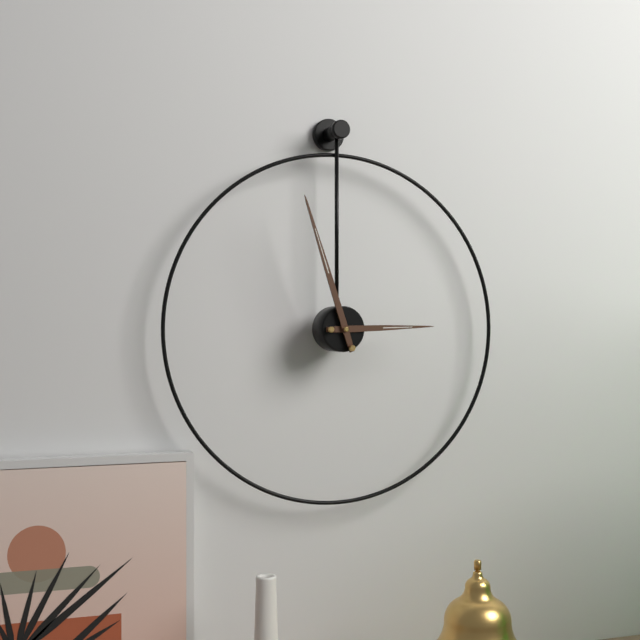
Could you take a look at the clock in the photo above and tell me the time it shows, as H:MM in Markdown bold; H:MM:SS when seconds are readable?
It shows **2:57**
